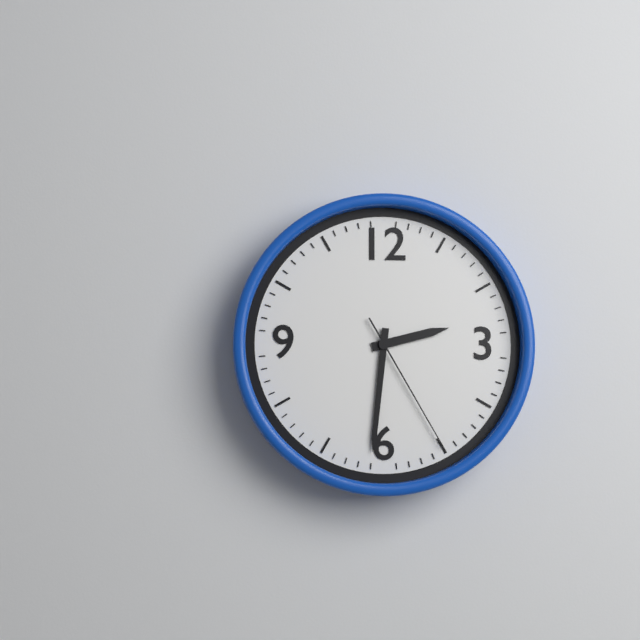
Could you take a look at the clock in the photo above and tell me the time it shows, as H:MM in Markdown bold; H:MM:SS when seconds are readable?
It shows **2:31:25**
